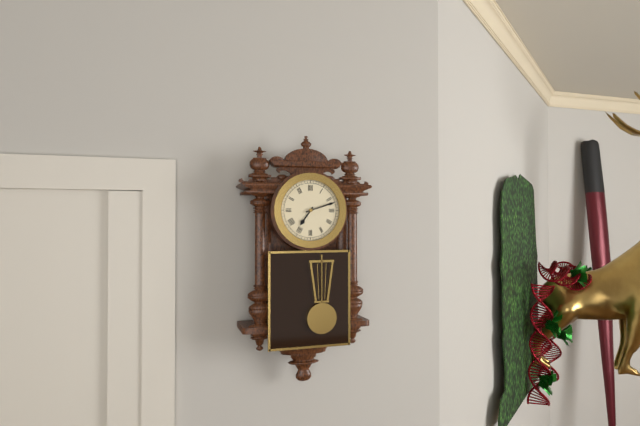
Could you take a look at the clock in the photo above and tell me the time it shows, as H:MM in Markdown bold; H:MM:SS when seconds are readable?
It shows **7:12**
